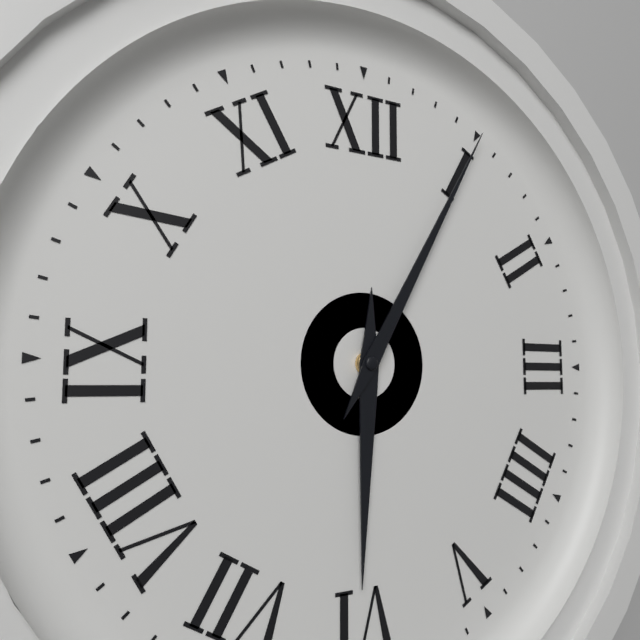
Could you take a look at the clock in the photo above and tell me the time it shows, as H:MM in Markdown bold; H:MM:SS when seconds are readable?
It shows **6:05**
